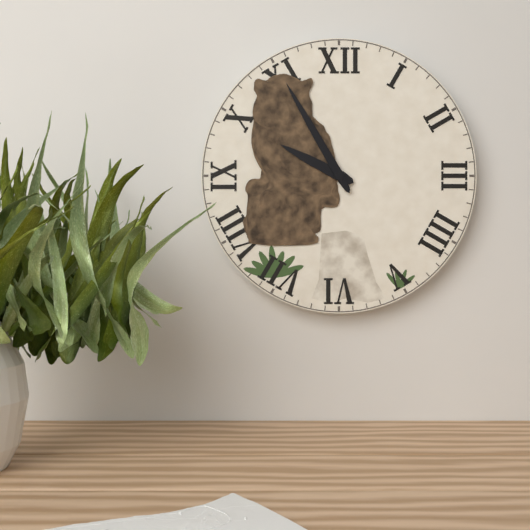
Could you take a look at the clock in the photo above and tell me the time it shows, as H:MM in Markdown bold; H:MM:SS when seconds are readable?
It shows **9:55**
